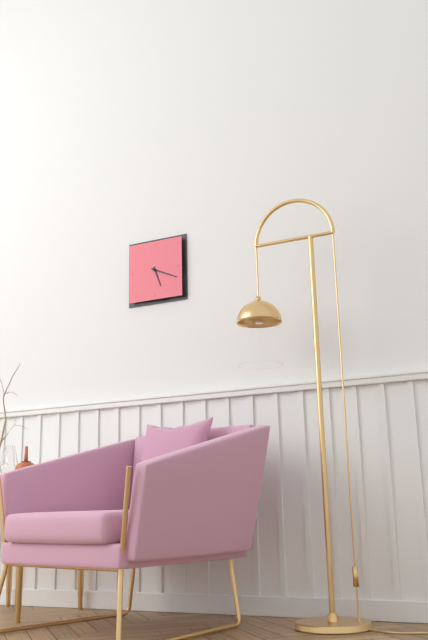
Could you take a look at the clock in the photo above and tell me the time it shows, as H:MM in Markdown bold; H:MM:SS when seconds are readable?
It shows **5:19**
